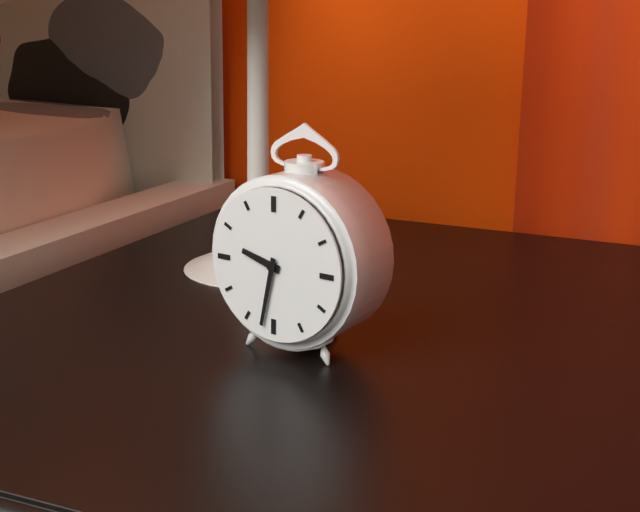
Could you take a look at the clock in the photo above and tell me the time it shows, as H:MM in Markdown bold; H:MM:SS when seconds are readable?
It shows **9:32**
